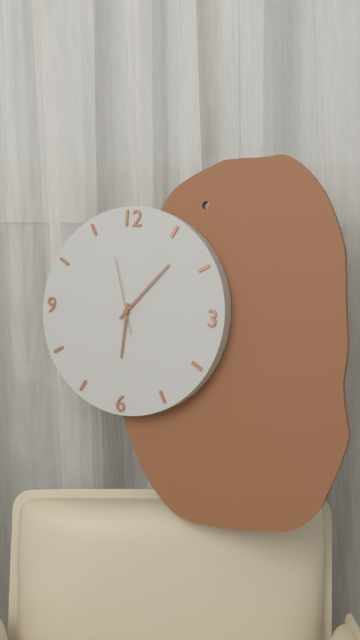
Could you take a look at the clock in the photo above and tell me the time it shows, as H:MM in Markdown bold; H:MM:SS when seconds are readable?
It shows **6:07:57**
